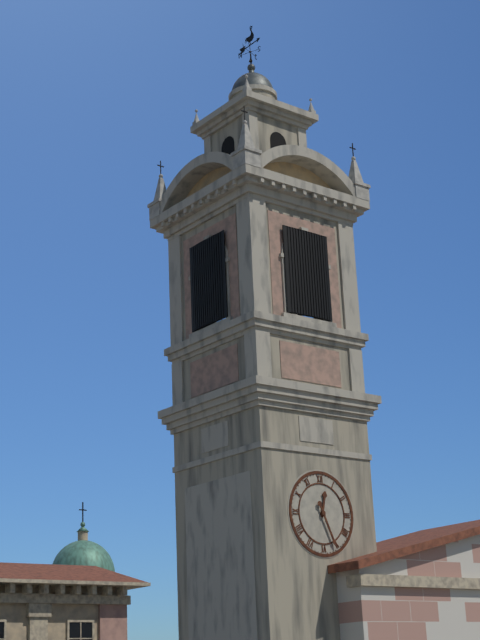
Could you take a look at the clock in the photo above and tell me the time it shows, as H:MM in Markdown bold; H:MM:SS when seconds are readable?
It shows **12:26**
